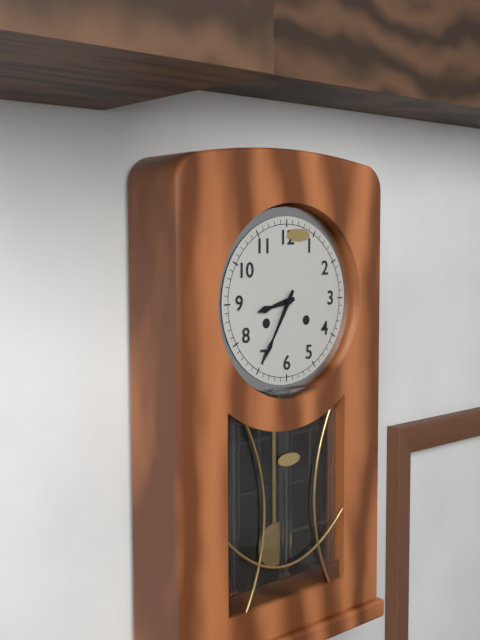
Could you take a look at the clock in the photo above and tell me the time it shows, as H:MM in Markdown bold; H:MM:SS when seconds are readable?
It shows **8:35**
